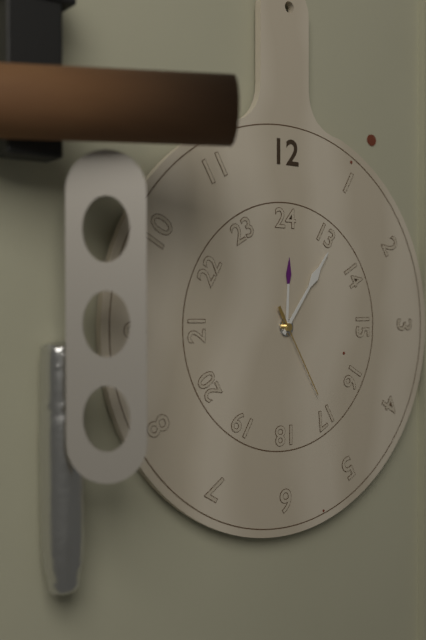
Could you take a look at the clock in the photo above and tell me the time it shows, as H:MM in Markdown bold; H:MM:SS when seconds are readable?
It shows **12:06:25**
